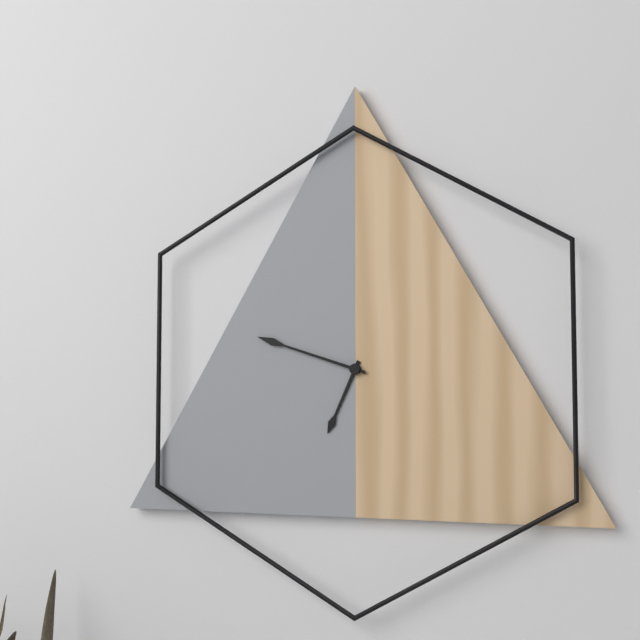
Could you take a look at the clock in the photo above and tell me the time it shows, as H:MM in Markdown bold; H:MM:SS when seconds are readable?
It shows **6:48**
